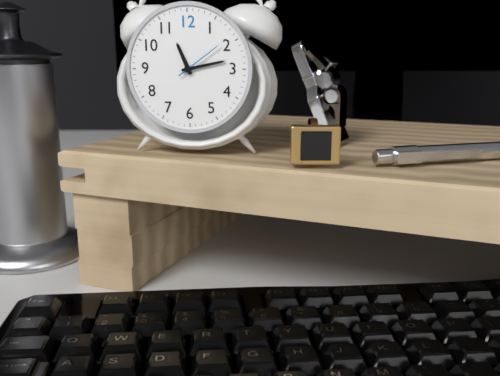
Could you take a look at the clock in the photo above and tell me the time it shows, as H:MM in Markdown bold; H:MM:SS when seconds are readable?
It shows **11:13:09**
